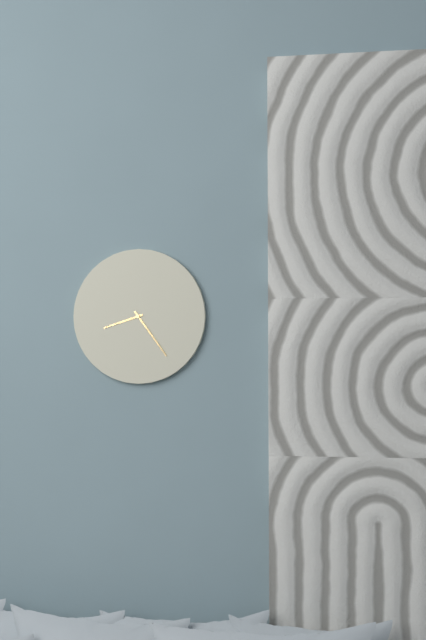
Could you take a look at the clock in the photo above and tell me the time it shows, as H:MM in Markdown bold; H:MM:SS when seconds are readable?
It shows **8:24**
